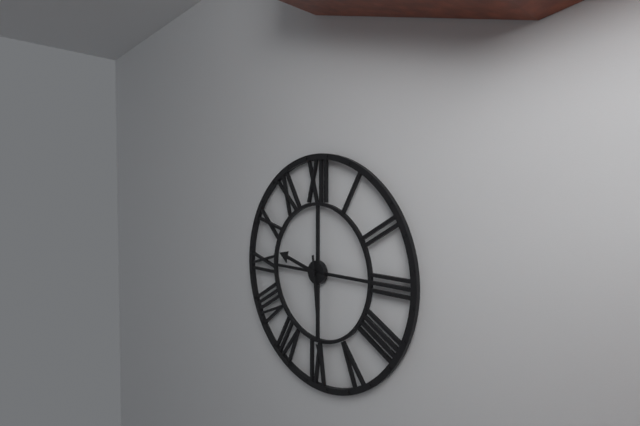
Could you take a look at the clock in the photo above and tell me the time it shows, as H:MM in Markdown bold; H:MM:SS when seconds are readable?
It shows **9:29**
